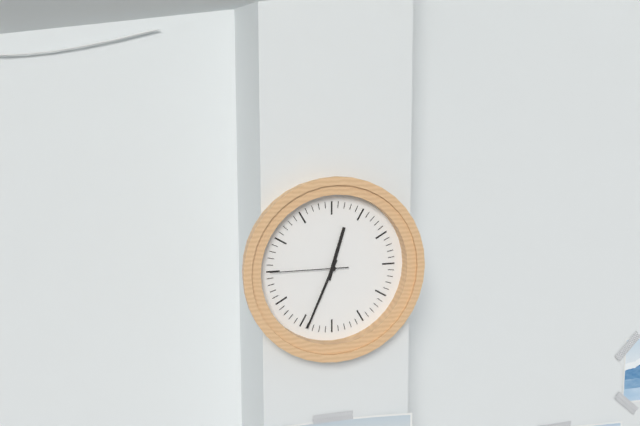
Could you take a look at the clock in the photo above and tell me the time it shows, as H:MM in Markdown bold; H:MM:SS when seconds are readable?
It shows **12:34:45**
